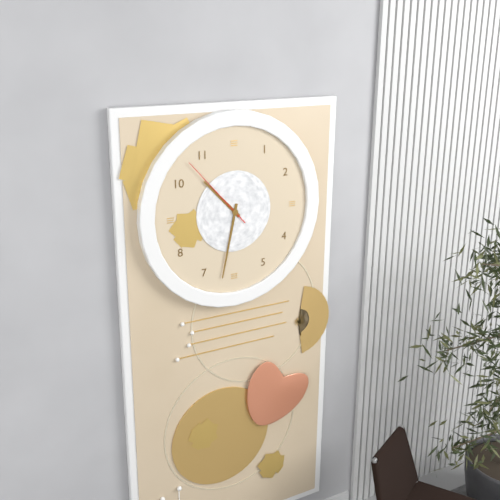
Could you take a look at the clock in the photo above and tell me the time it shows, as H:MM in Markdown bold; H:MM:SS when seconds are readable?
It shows **10:32:53**
